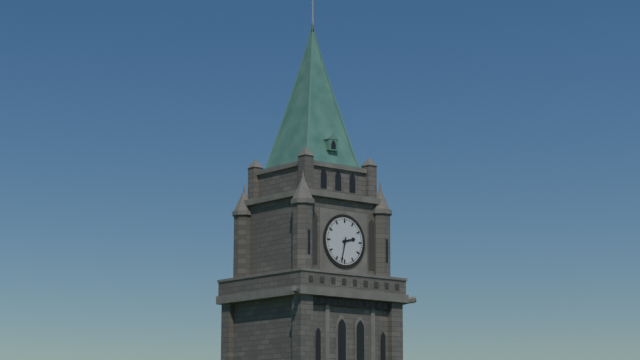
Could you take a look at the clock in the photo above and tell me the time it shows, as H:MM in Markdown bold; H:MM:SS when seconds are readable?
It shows **2:32**
